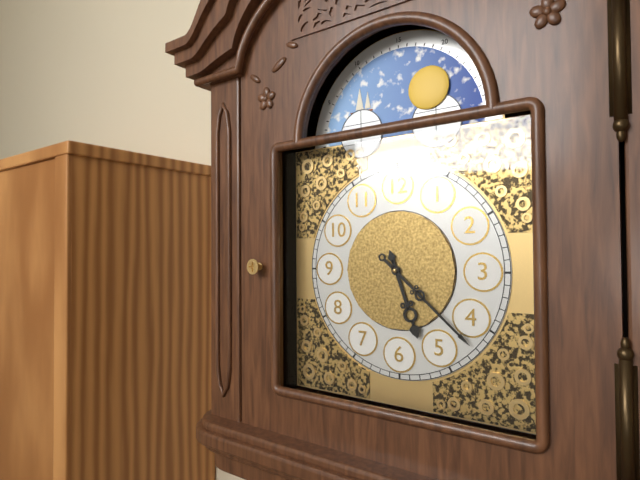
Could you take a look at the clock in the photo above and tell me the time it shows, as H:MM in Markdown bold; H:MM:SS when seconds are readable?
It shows **5:22**
